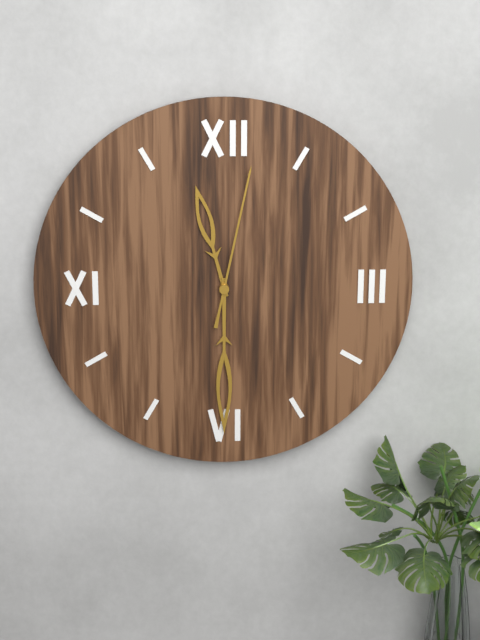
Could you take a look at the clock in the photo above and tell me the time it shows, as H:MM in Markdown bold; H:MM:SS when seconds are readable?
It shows **11:30:02**
